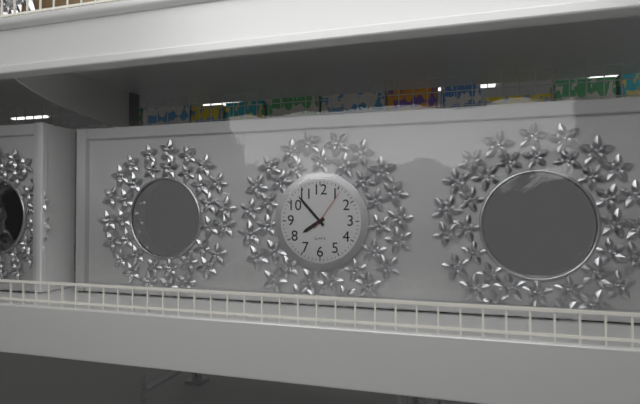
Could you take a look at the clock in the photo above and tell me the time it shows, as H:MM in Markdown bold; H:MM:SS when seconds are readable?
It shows **7:53**
